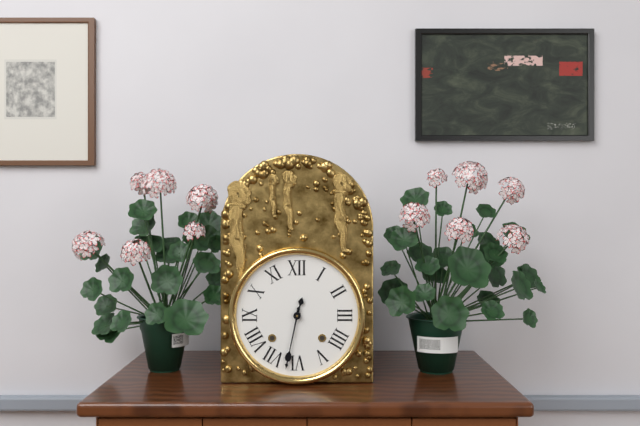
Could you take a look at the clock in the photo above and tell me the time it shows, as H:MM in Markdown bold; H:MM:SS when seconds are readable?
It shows **12:32**
